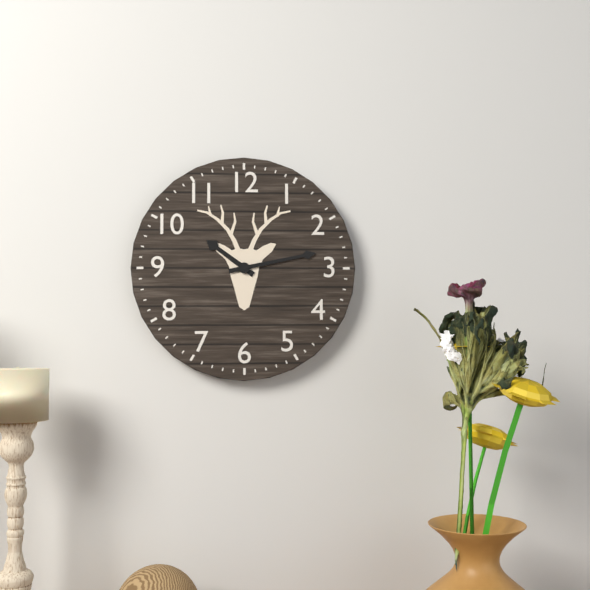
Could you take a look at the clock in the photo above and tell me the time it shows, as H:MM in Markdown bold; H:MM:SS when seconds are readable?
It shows **10:13**
